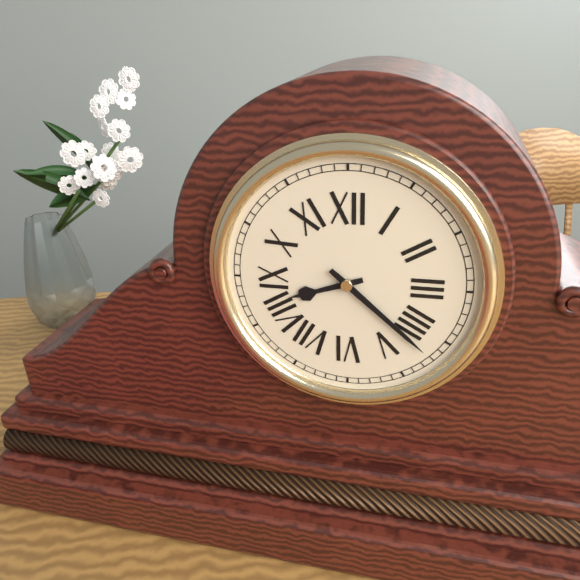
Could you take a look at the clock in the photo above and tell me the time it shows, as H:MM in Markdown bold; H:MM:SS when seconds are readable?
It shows **8:22**
